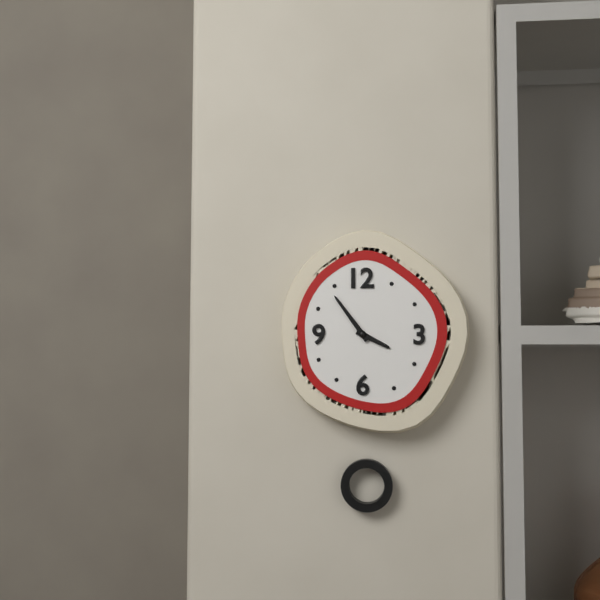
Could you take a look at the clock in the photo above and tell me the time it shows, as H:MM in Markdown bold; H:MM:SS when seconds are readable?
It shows **3:54**
